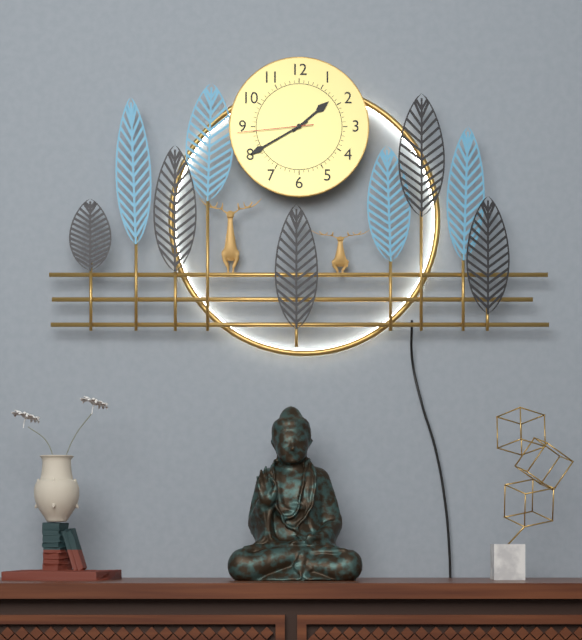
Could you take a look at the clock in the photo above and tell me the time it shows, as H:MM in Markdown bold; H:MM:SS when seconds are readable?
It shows **1:40:44**
